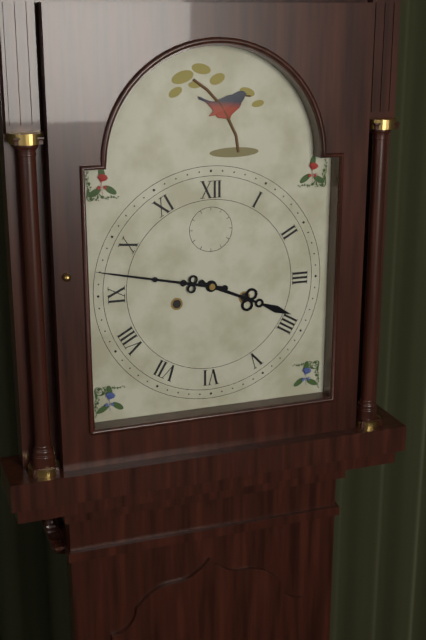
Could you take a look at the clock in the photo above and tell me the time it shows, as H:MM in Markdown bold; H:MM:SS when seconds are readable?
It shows **3:47**
